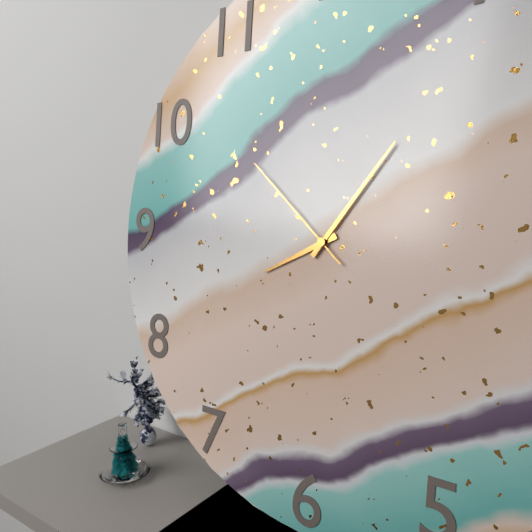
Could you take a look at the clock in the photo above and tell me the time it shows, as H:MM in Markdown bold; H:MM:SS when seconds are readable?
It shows **8:06:52**
